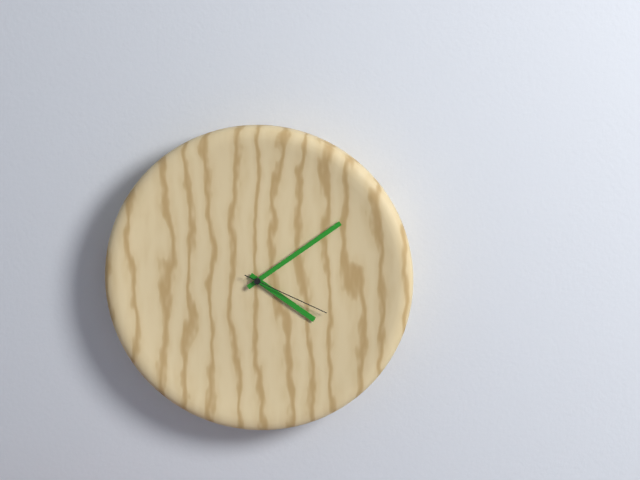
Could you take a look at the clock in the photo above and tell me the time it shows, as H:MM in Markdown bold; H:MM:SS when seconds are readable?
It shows **4:09:19**
